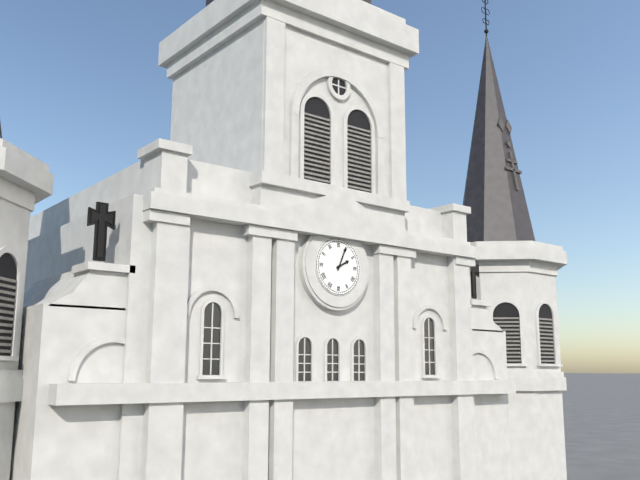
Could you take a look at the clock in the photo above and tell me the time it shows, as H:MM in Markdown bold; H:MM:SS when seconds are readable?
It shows **2:04**
